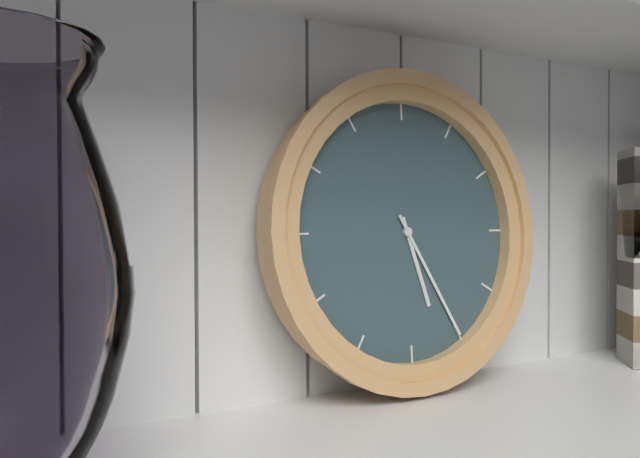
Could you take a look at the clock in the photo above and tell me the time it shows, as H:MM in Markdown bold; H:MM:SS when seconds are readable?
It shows **5:25**
